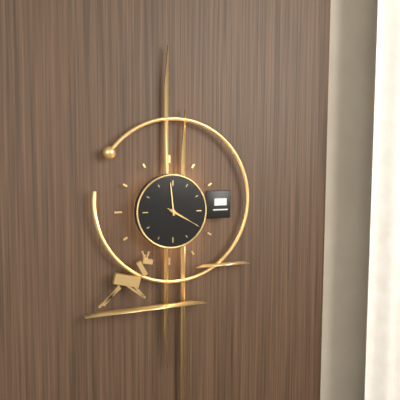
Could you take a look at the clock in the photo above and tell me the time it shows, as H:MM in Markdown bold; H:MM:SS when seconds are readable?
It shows **3:59**
